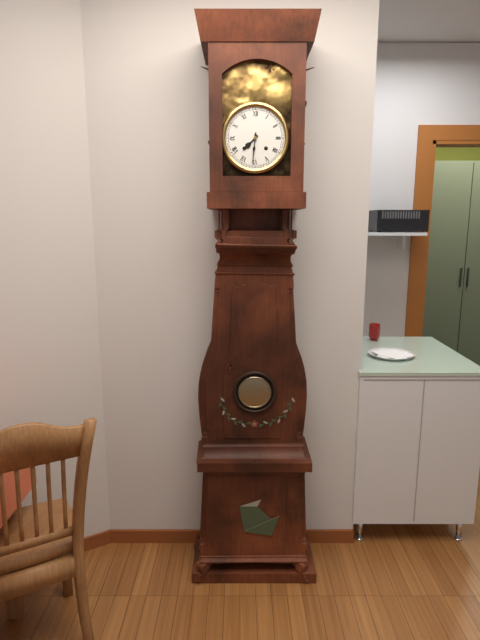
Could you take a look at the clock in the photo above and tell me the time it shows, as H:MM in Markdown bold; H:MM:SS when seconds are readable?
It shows **7:31**
